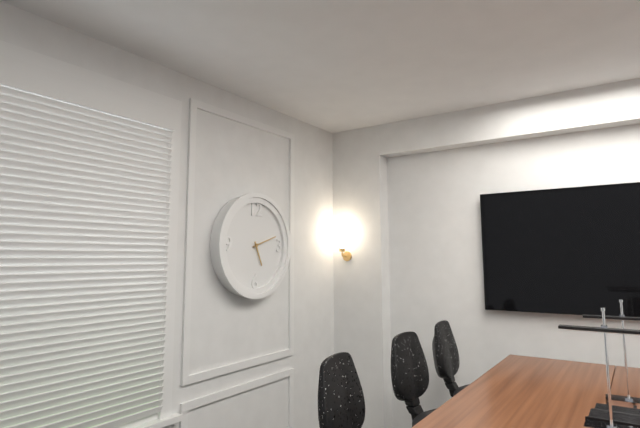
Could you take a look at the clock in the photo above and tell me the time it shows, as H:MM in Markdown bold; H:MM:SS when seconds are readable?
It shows **5:12**
